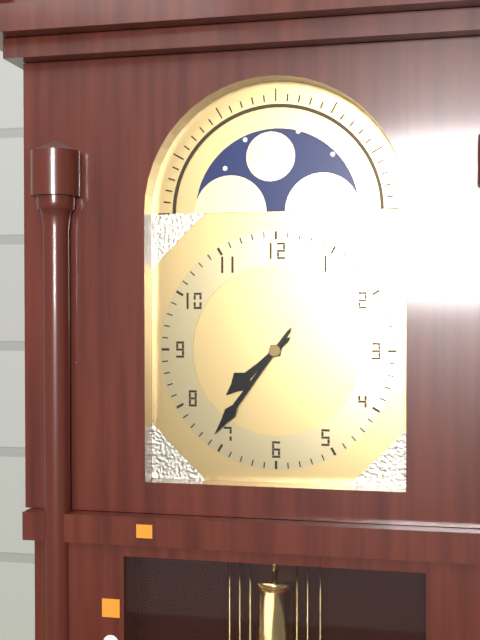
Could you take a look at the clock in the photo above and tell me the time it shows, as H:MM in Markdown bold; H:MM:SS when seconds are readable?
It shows **7:36**
